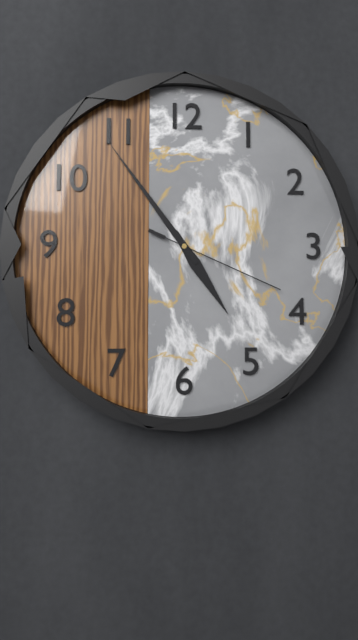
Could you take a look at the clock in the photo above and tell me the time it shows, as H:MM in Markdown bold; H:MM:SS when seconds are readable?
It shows **4:54:19**
